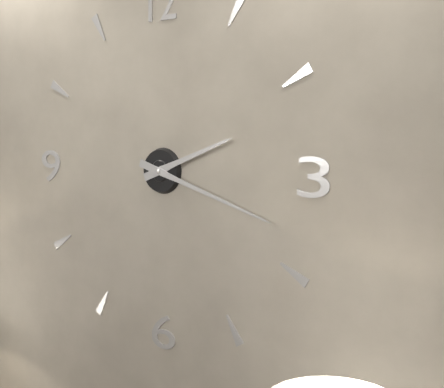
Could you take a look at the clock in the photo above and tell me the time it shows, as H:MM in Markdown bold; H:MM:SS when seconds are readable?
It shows **2:18**
